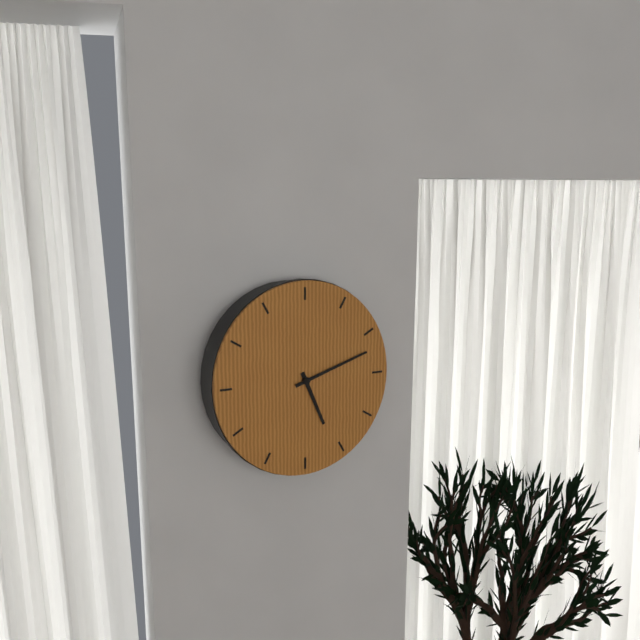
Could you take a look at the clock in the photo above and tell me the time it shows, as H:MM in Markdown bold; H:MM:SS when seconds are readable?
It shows **5:12**
